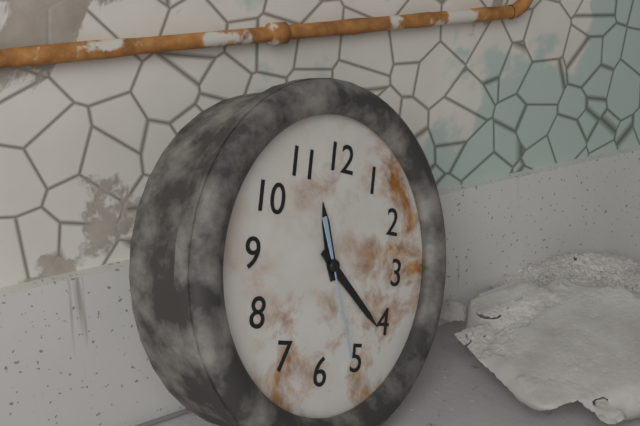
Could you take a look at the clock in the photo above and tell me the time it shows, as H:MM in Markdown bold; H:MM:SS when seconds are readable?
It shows **11:21:26**
